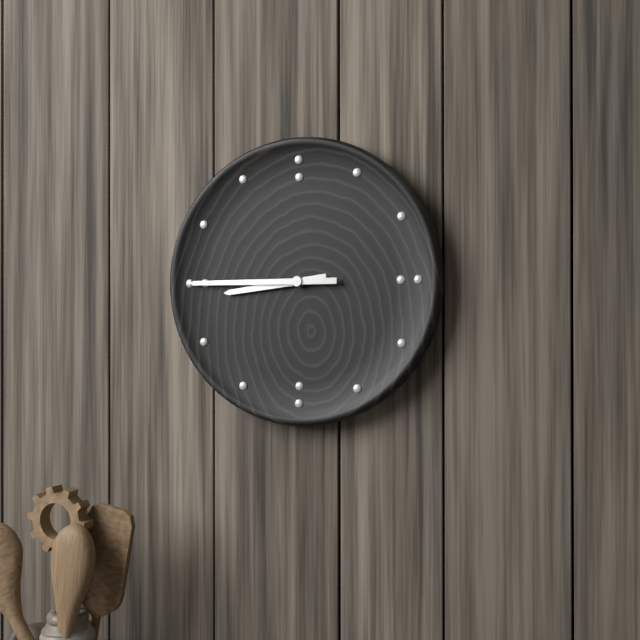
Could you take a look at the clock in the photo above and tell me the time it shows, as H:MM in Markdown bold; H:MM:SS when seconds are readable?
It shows **8:45**
